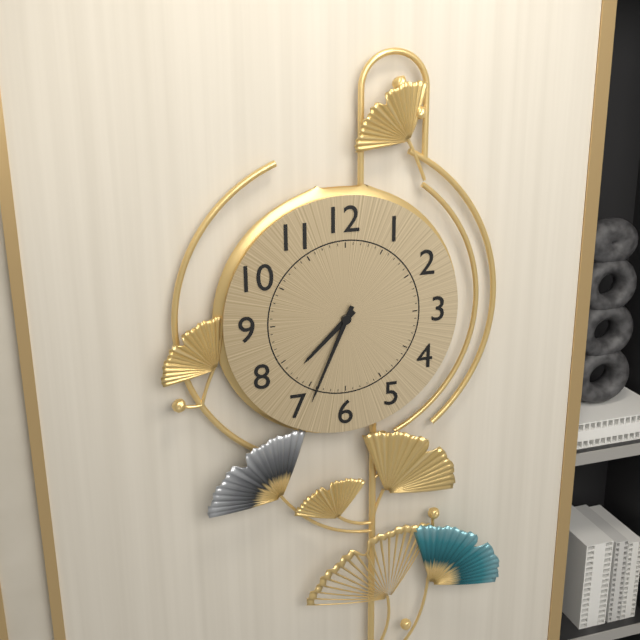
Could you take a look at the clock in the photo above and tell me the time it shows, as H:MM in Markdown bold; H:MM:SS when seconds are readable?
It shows **7:34**
